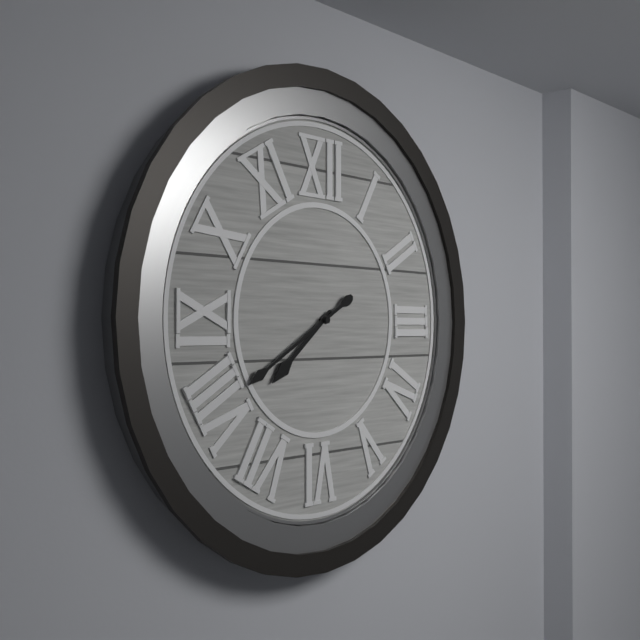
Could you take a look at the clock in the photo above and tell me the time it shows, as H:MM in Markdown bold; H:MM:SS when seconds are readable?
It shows **7:40**
